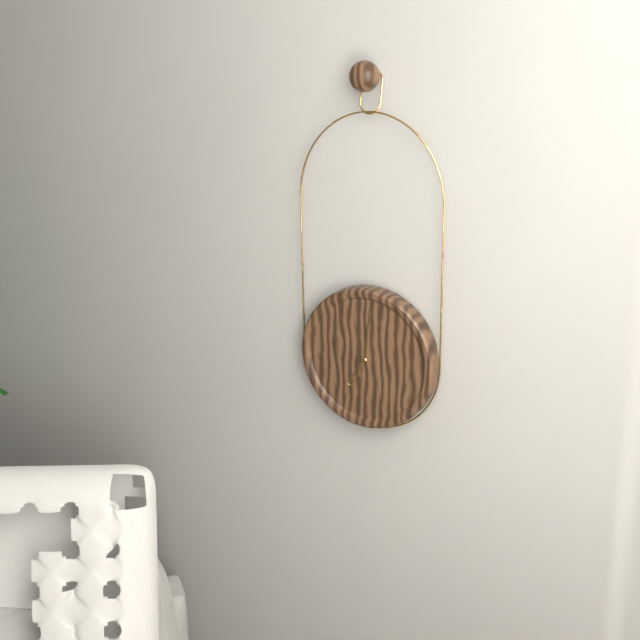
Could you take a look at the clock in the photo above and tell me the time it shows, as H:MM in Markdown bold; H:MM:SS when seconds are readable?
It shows **7:01**
